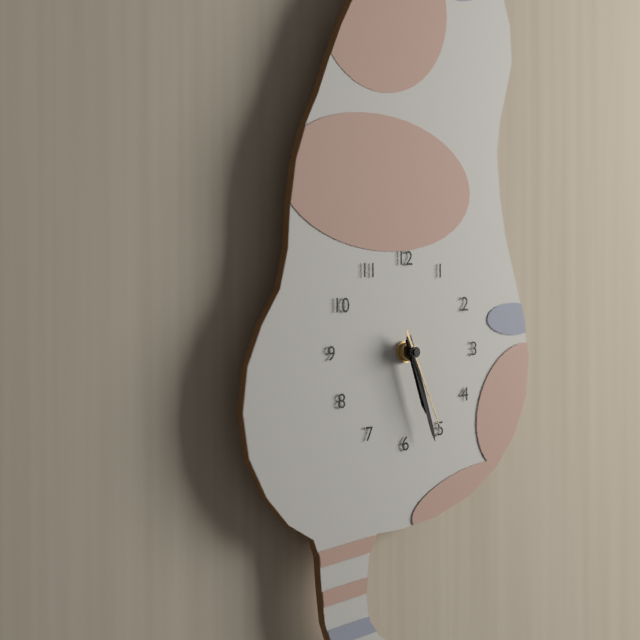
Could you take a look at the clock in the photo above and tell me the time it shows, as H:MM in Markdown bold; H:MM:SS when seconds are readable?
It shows **5:27:26**
